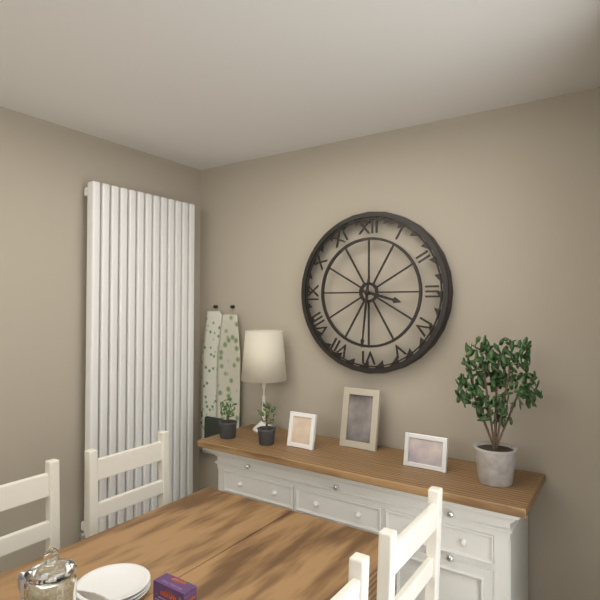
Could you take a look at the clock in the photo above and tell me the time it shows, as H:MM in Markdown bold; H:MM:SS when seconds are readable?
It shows **3:31**
